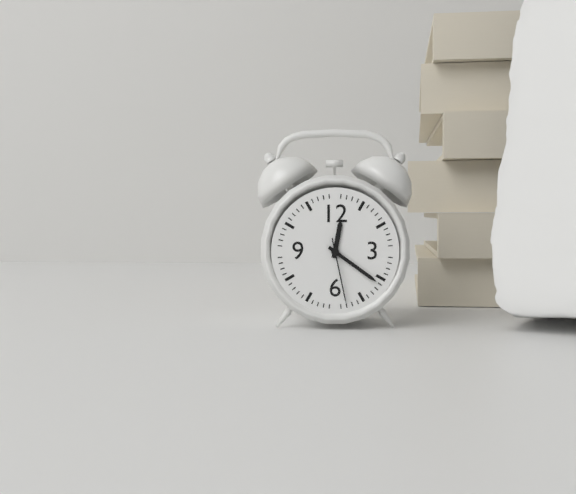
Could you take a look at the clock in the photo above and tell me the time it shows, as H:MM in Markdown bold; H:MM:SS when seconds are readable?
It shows **12:21:28**
